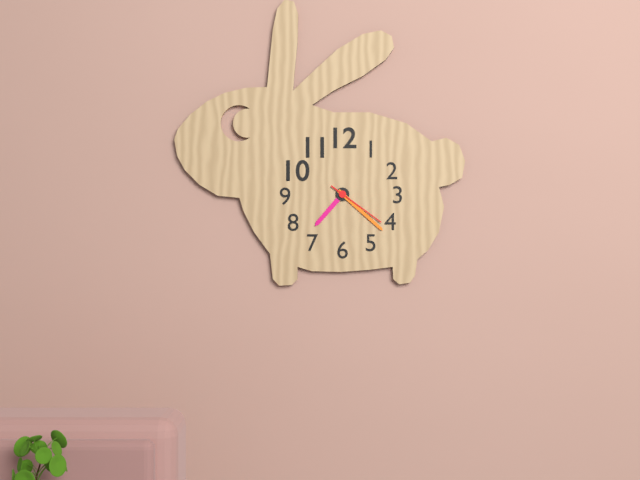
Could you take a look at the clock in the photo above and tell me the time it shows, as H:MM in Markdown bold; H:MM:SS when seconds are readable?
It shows **7:22:21**
